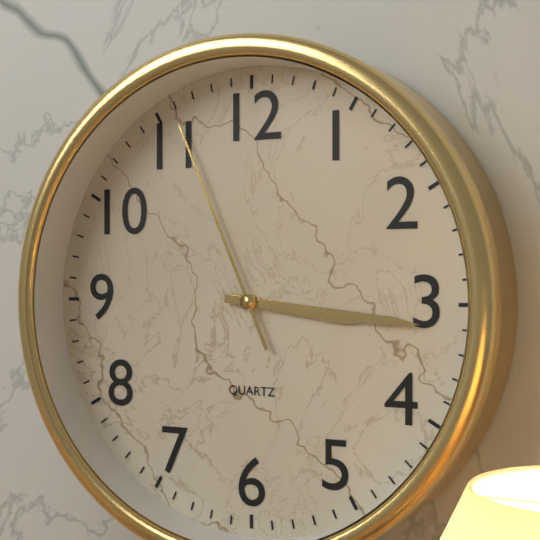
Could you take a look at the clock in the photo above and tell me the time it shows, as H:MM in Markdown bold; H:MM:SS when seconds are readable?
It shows **3:16:56**
